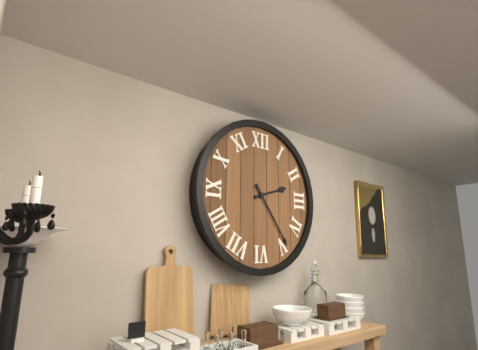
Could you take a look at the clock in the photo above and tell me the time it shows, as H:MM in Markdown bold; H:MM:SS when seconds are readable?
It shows **2:24**
